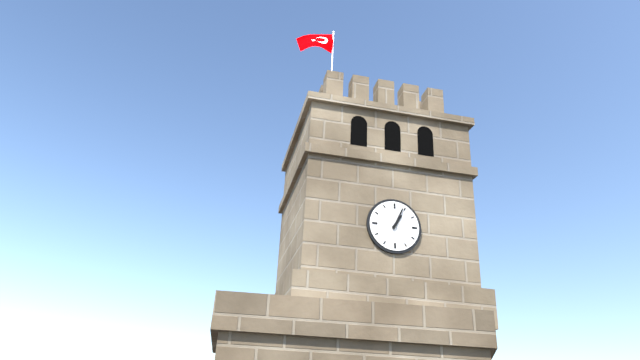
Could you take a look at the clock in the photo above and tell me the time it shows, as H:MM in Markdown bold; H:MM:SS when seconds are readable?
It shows **1:04**
